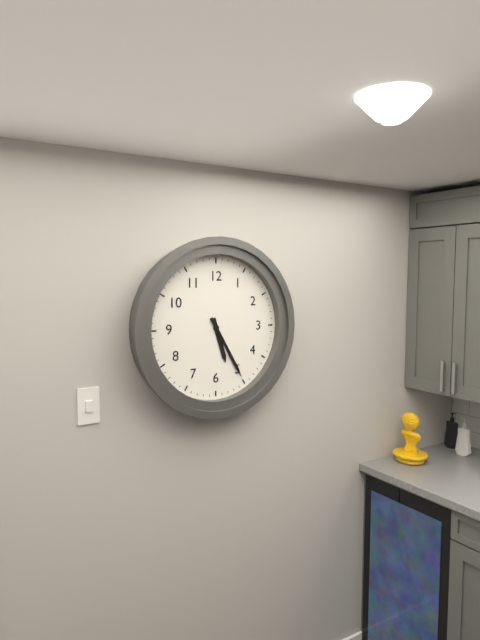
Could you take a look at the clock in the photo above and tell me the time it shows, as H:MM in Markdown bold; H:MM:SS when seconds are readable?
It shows **5:25**
